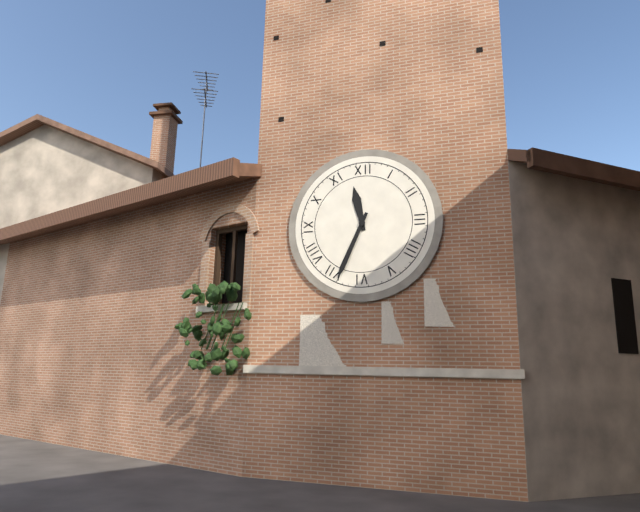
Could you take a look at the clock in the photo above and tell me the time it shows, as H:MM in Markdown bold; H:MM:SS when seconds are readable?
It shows **11:34**
